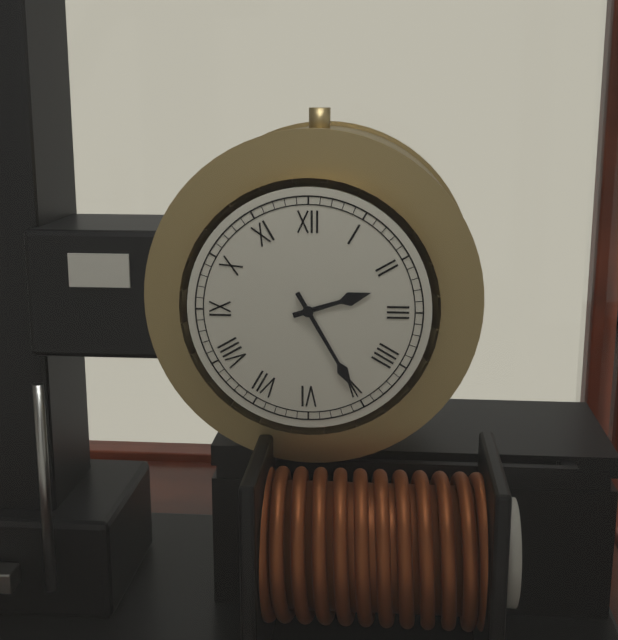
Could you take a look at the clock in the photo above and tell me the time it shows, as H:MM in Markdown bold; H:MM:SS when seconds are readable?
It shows **2:25**
